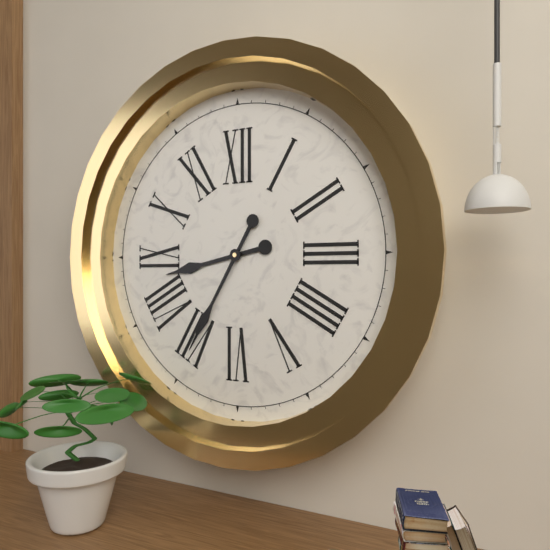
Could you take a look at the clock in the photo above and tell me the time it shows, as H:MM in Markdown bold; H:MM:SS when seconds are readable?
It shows **8:35**
